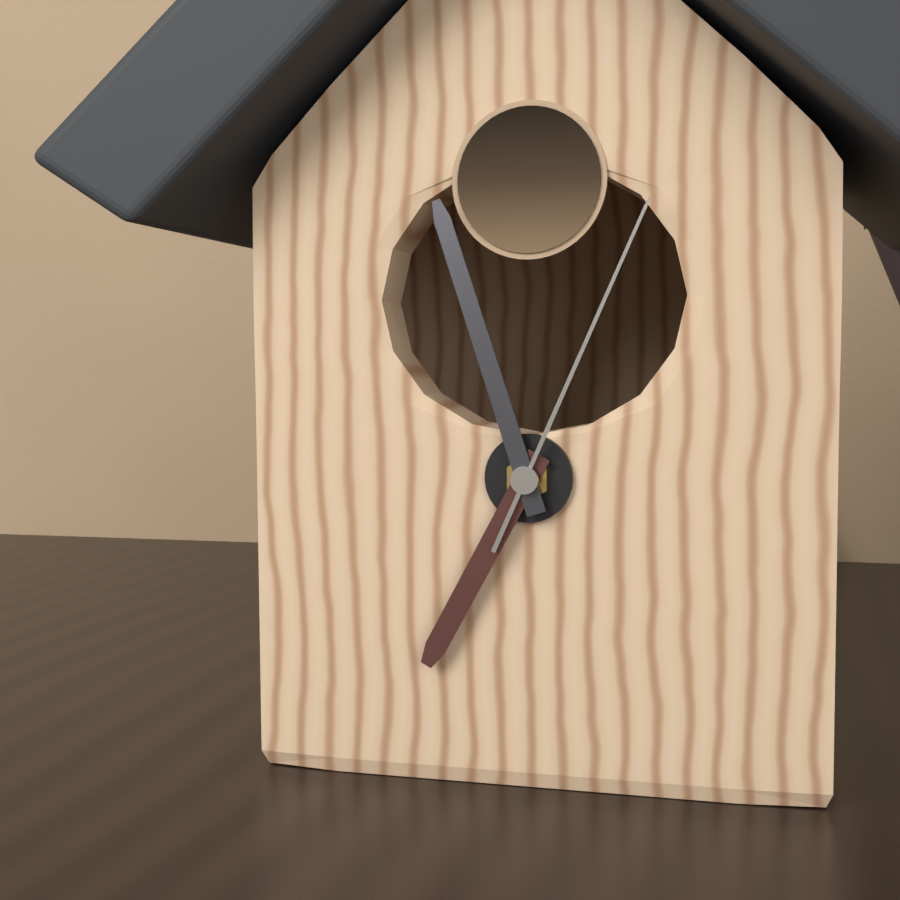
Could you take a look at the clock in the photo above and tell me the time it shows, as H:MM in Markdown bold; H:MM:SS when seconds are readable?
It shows **6:57:04**
